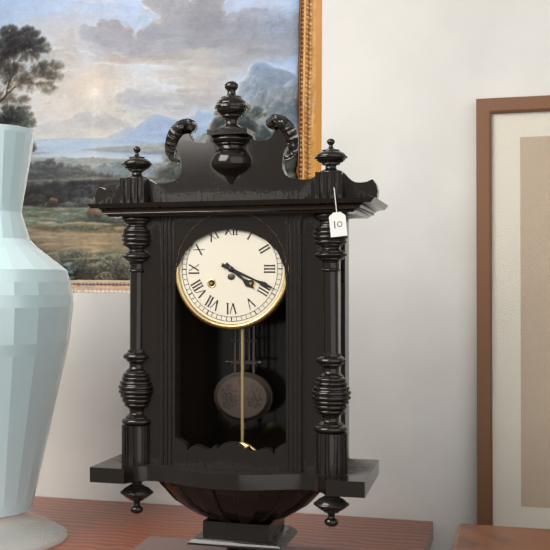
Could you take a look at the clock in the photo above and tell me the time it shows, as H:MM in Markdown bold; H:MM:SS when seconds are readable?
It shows **4:19**
